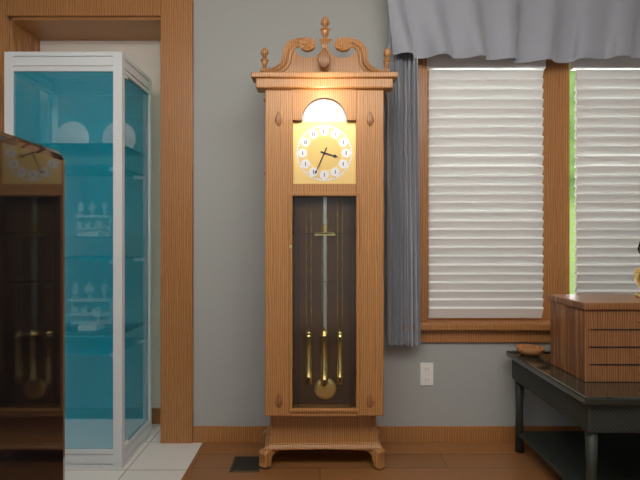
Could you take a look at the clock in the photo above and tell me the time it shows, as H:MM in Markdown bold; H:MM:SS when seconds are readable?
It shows **3:34**
